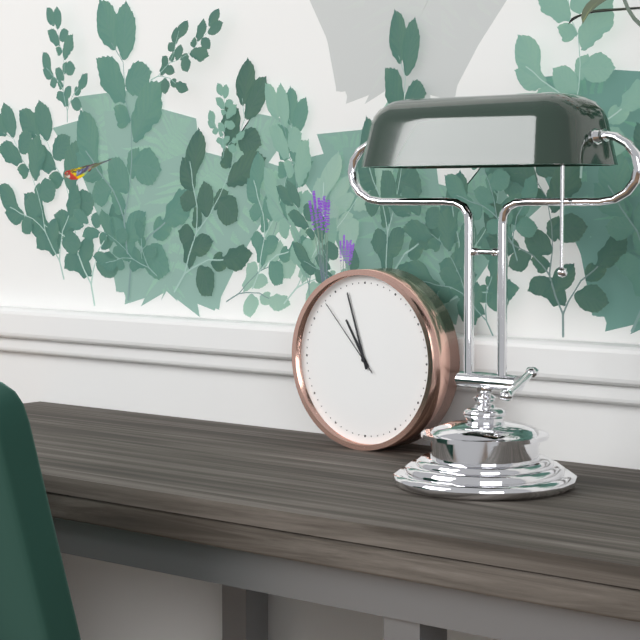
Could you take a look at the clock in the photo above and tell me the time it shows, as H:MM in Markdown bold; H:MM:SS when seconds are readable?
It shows **10:57:53**
